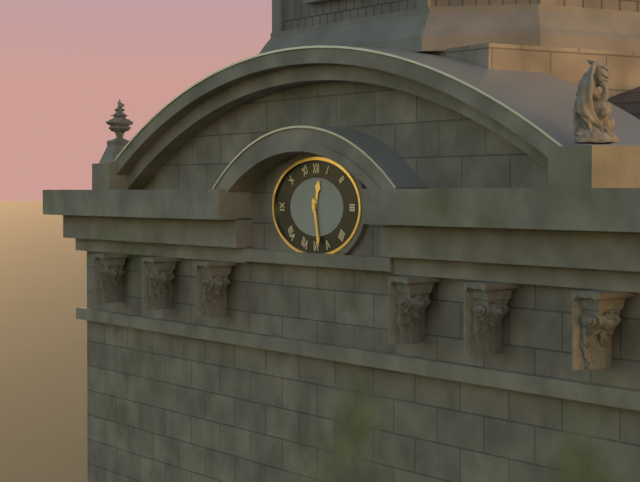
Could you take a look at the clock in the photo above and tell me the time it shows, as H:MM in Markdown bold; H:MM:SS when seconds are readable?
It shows **12:28**
